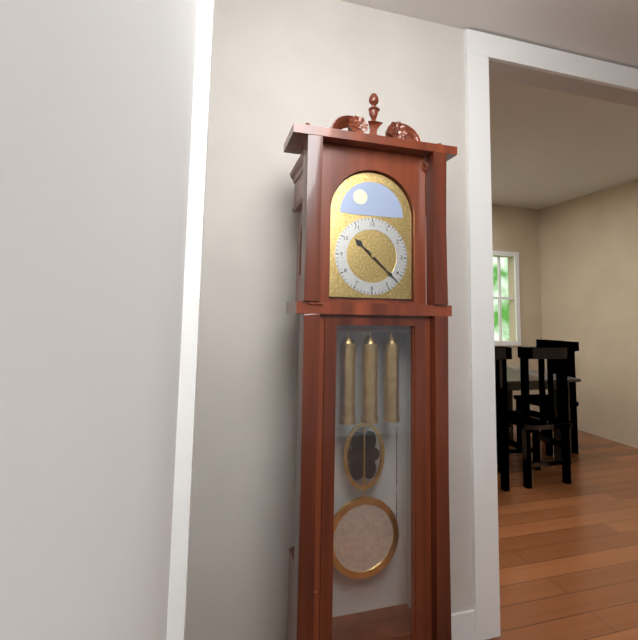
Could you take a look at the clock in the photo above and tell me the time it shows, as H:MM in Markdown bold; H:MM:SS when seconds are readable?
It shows **10:22**
